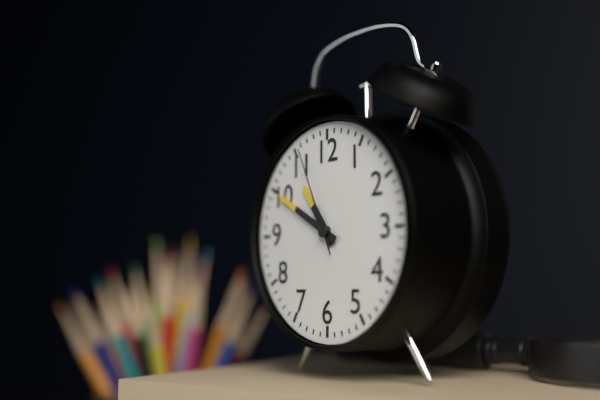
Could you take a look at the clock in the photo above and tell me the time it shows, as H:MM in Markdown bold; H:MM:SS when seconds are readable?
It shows **10:50:56**
